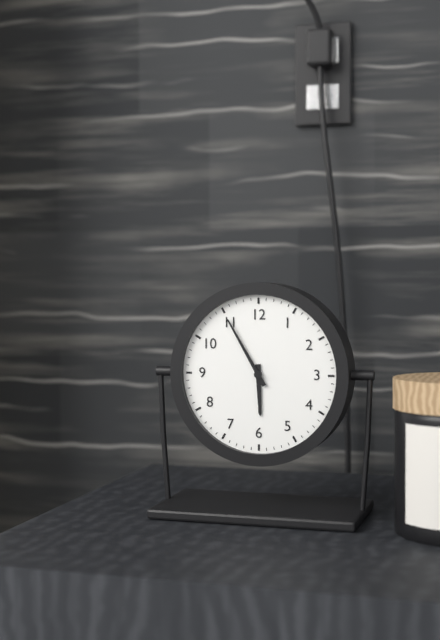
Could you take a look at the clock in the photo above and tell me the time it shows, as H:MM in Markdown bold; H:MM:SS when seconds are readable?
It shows **5:55**
